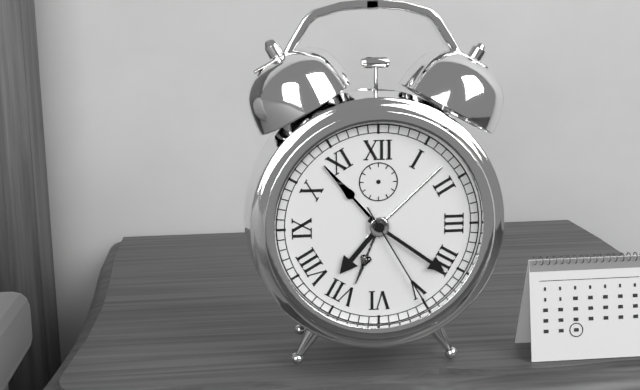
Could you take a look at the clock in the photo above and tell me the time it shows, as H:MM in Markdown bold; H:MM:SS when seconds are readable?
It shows **7:21:25**
